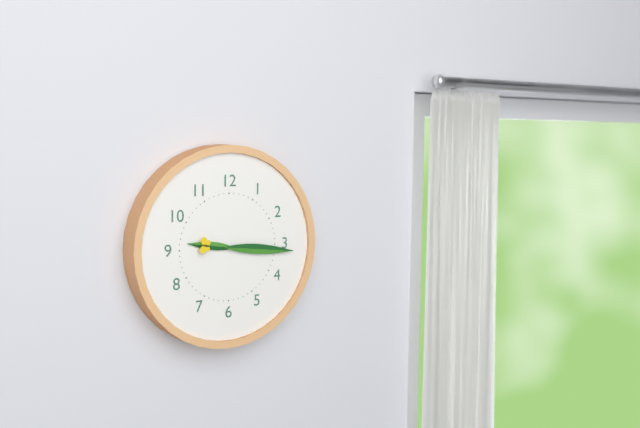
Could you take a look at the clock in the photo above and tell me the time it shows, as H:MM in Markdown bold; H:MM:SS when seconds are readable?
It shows **9:16**
